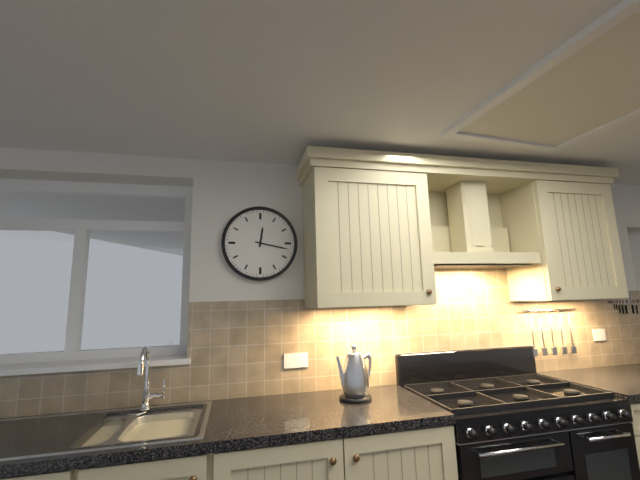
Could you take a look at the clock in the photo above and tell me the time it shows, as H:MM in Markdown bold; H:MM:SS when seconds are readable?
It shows **12:17**
